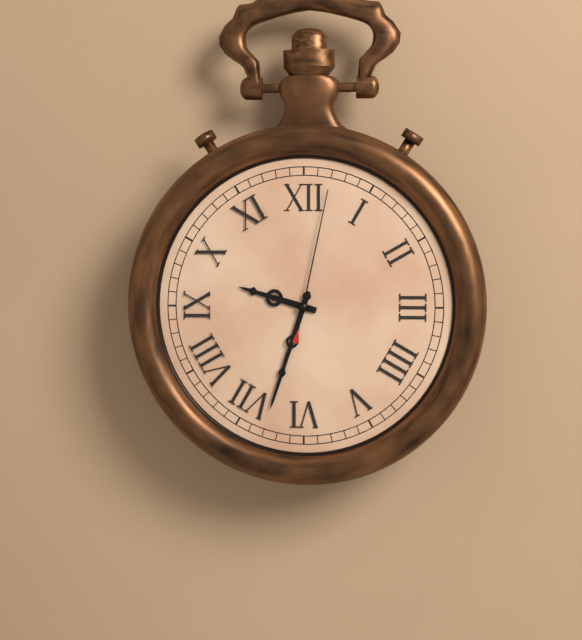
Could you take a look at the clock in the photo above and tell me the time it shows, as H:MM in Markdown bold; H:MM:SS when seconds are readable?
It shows **9:33:02**
